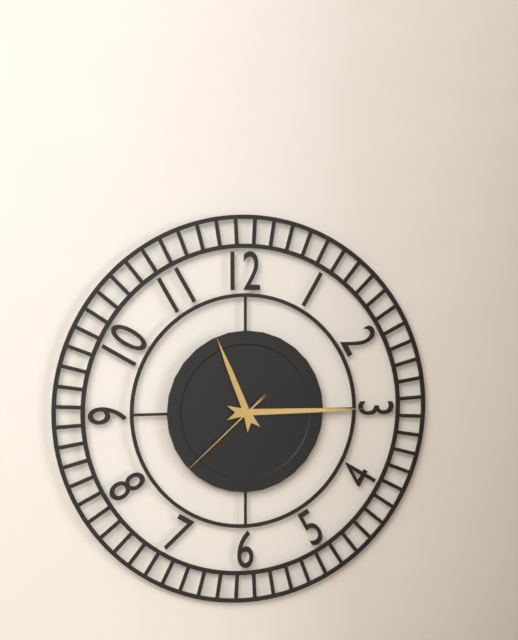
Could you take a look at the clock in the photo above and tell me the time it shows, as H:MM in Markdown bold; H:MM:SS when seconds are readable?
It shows **11:15:38**
